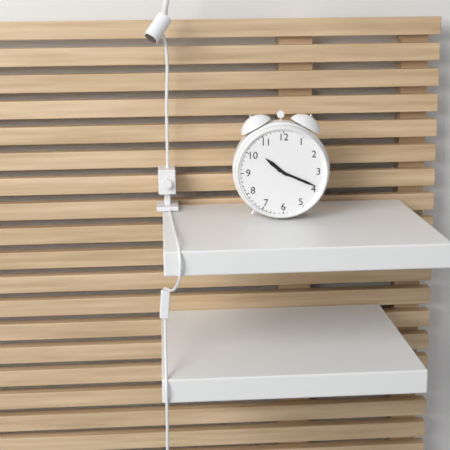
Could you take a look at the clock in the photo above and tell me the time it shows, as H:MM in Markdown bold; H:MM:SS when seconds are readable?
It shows **10:19**
